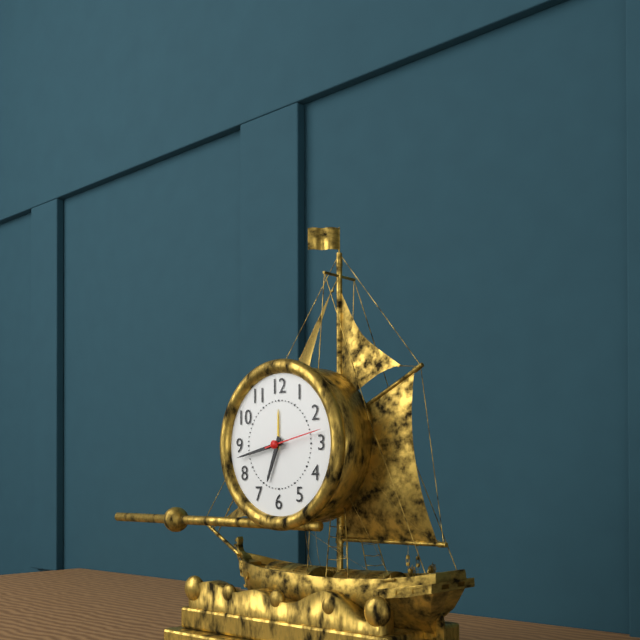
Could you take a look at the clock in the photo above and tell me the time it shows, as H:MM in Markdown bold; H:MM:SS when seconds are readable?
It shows **6:43:13**
